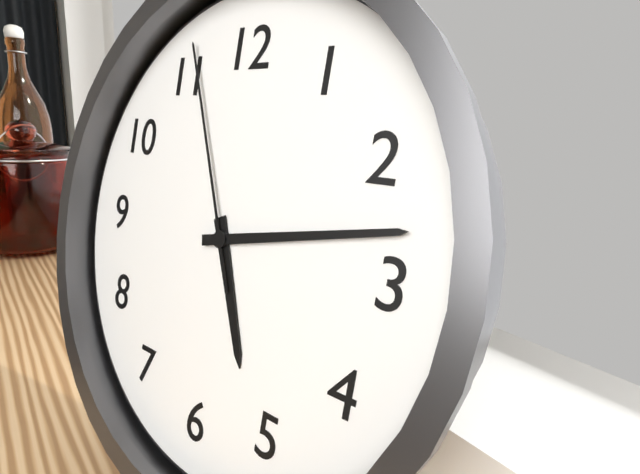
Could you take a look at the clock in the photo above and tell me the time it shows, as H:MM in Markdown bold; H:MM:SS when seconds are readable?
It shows **5:13:56**
